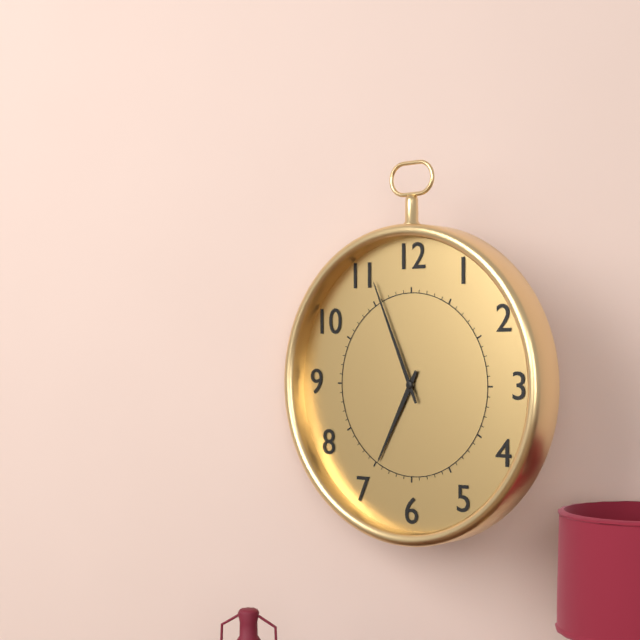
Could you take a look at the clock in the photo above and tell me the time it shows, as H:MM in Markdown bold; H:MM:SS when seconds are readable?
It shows **6:56**
